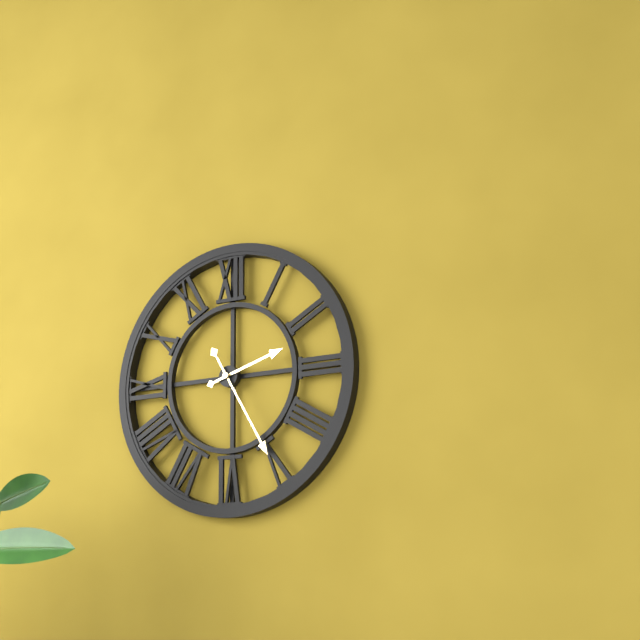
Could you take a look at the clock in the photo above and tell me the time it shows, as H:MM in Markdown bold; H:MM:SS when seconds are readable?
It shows **2:25**
